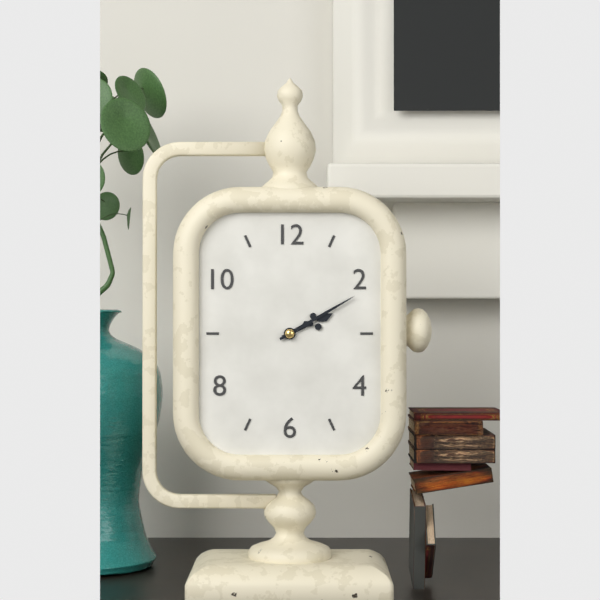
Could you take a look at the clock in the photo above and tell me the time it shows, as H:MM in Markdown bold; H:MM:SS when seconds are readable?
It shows **2:10**
